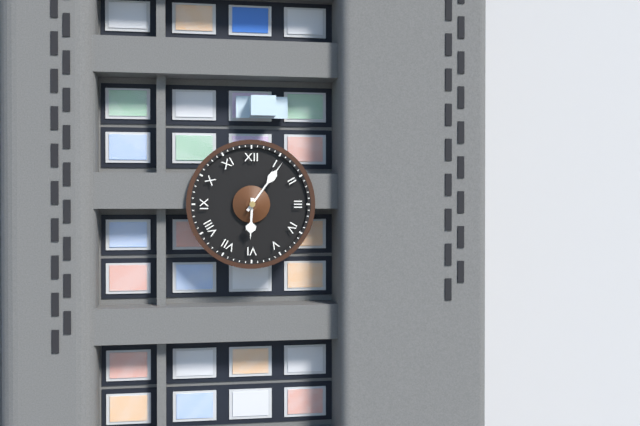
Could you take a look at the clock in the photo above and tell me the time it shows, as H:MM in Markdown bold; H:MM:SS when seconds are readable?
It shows **6:06**
